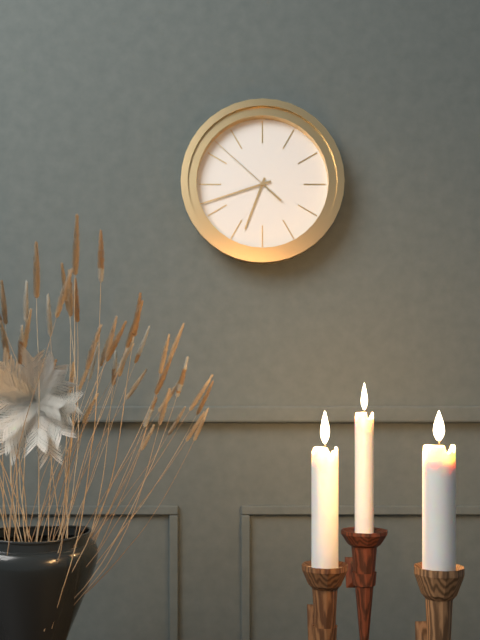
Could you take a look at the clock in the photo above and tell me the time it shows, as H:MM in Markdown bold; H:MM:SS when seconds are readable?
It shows **6:42:52**
